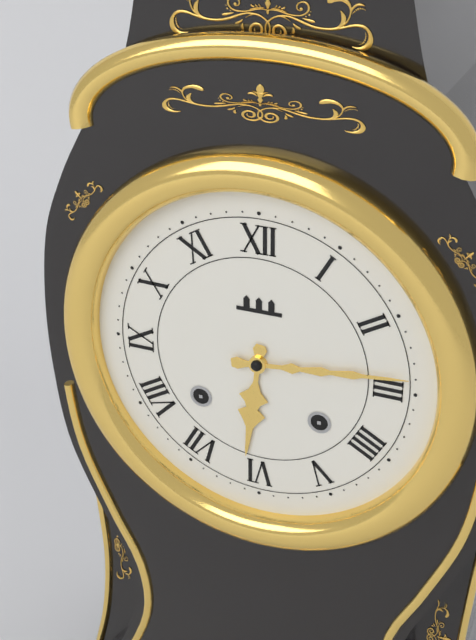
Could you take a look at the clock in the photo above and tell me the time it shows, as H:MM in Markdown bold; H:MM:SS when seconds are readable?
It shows **6:14**
